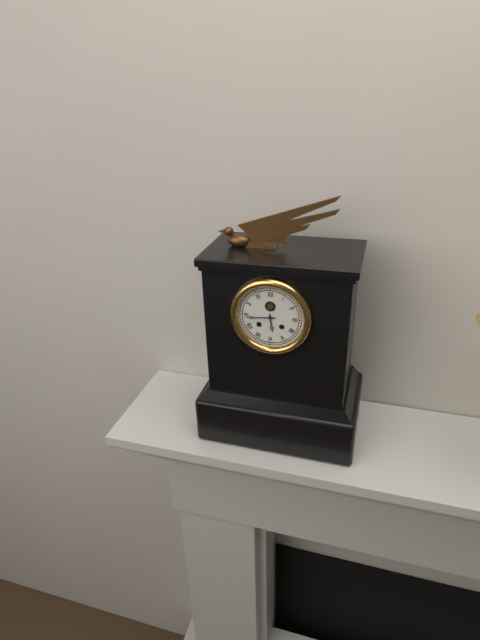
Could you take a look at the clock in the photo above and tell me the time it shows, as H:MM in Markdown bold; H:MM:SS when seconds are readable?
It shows **5:44**
